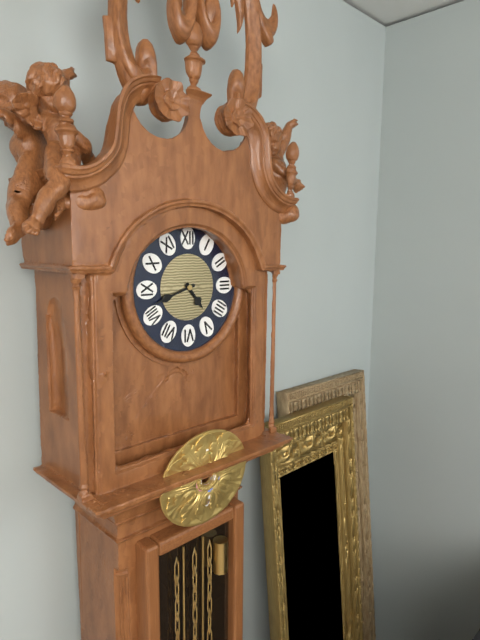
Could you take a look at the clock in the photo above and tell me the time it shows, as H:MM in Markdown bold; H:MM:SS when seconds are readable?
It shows **4:42**
